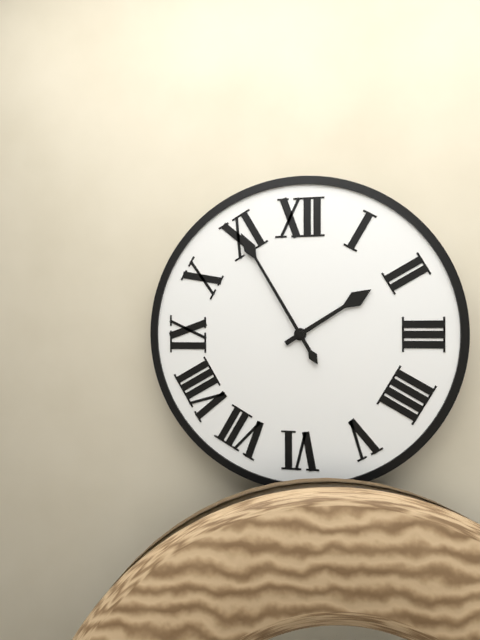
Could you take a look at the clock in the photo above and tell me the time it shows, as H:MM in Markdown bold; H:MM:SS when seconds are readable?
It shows **1:55**
